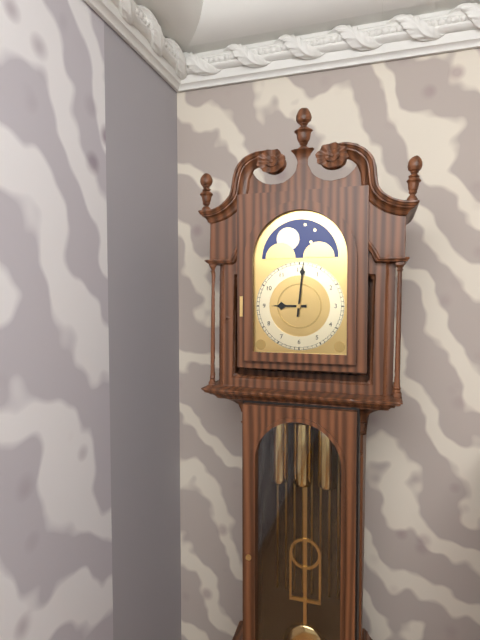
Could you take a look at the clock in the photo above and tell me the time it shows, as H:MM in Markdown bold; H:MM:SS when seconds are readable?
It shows **9:01**
